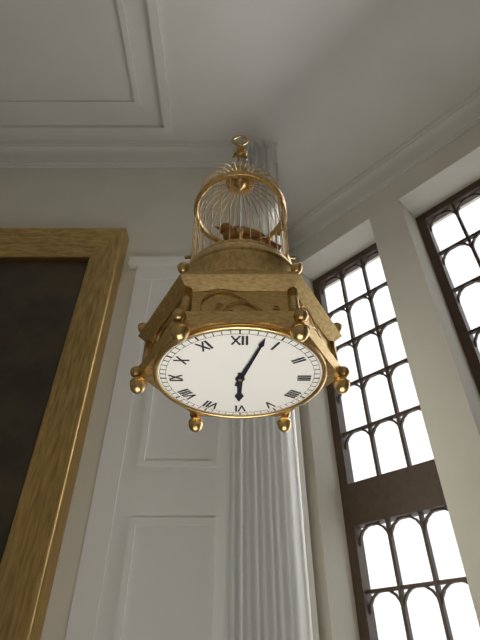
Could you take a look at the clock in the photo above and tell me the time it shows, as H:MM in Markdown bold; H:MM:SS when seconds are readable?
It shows **6:03**
